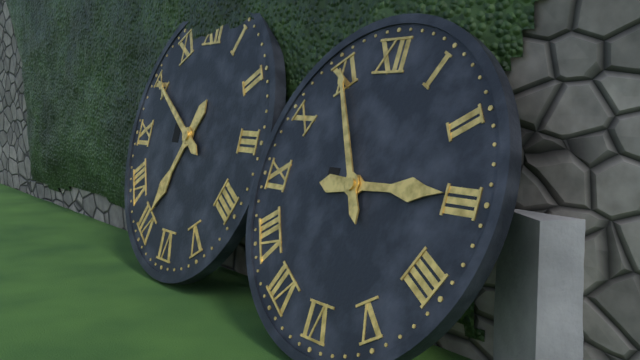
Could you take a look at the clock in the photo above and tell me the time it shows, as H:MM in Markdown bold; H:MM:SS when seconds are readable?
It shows **2:55**
